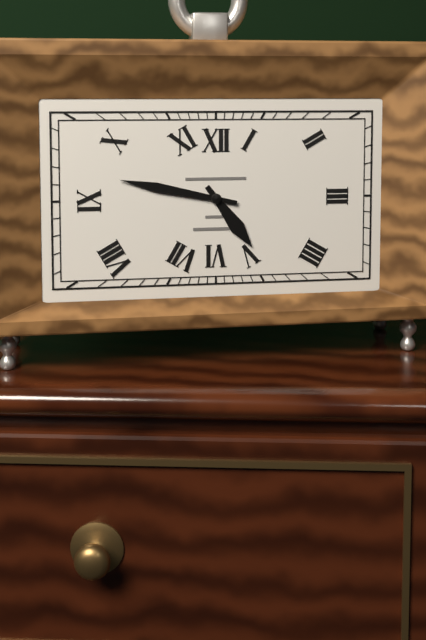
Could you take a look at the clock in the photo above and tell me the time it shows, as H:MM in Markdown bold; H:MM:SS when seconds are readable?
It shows **4:47**
